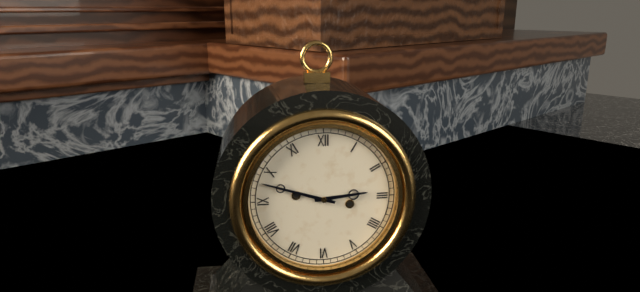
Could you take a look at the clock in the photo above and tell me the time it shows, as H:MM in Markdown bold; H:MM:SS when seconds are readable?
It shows **2:48**
